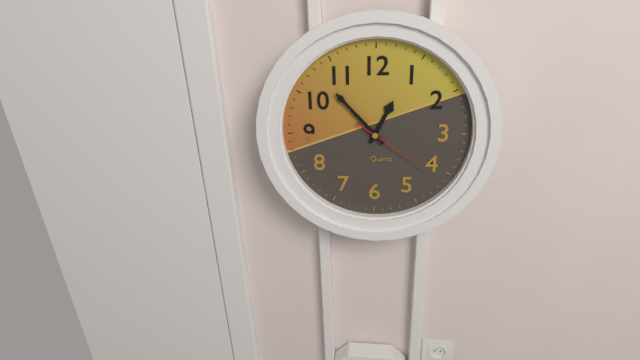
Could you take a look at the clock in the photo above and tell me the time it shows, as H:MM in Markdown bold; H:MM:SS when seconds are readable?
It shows **12:53:21**
